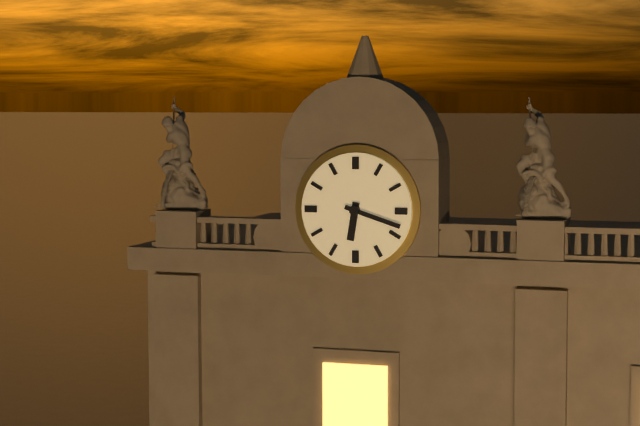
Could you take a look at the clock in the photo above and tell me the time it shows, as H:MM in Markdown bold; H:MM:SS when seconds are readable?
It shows **6:18**
